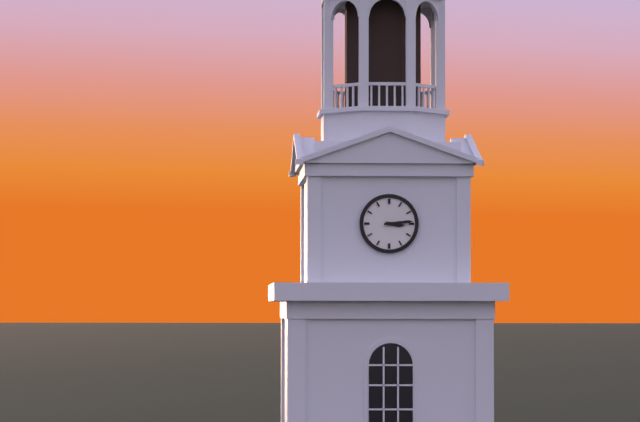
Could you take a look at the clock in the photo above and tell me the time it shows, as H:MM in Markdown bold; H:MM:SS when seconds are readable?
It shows **3:14**
